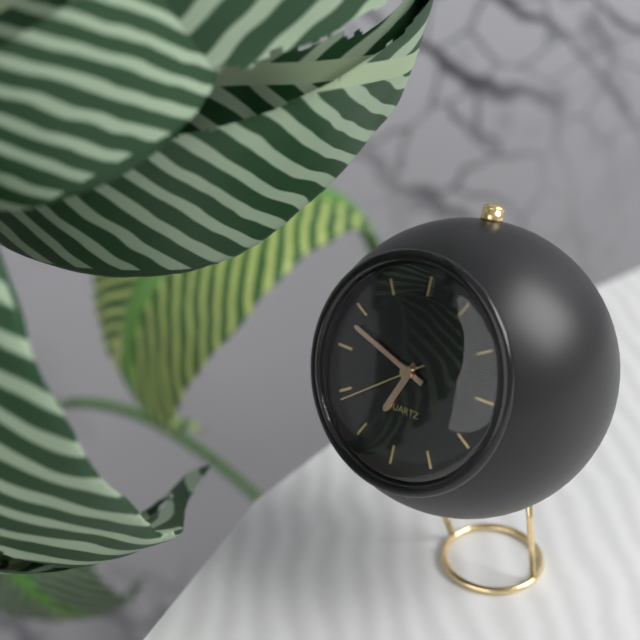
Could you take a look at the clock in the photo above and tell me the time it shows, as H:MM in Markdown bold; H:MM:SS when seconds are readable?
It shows **6:48:39**
